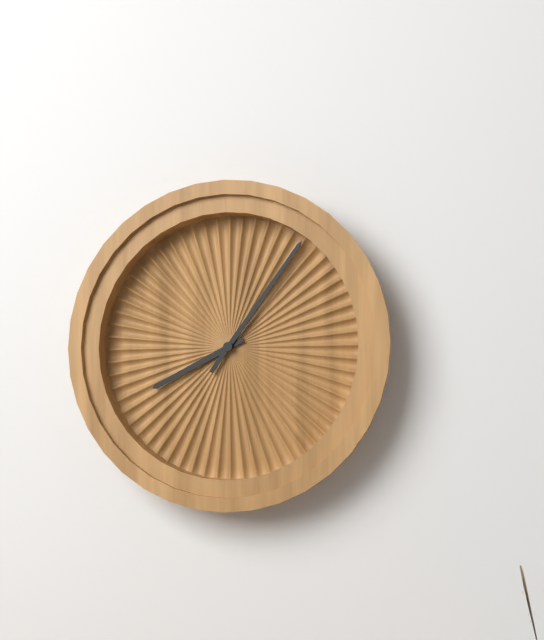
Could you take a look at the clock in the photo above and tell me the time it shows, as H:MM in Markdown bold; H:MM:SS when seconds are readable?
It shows **8:06**
